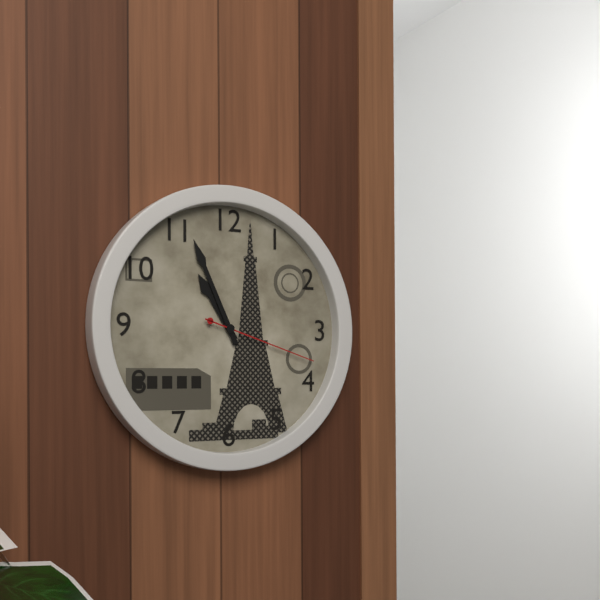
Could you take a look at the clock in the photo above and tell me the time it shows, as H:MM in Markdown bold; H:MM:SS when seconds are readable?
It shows **10:56:18**
